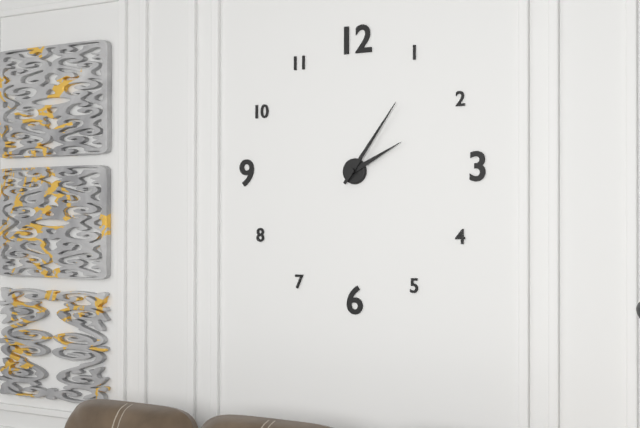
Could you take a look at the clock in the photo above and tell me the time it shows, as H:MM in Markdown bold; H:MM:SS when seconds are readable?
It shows **2:06**
